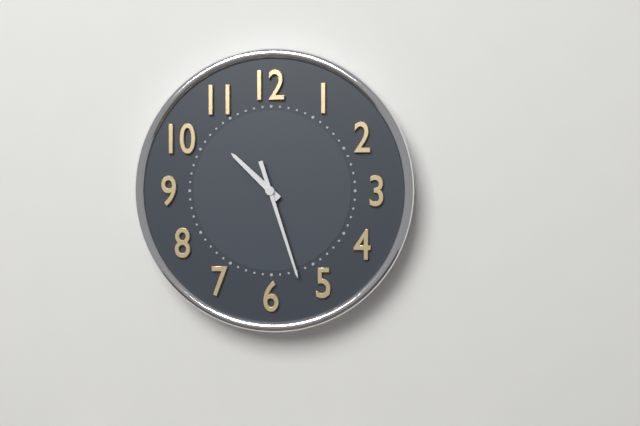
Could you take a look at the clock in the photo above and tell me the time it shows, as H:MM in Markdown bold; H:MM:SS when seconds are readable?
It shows **10:27**
